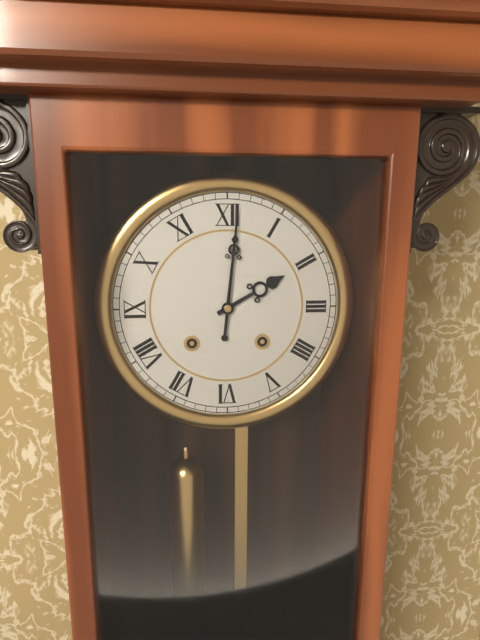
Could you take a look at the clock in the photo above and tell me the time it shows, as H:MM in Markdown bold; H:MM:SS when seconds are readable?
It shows **2:01**
